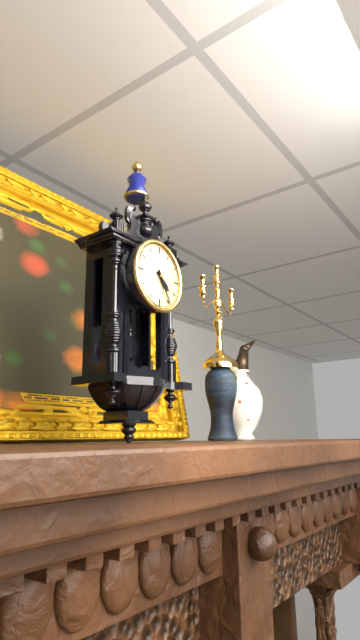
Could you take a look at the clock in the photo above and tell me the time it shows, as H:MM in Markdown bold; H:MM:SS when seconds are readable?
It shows **4:25**
